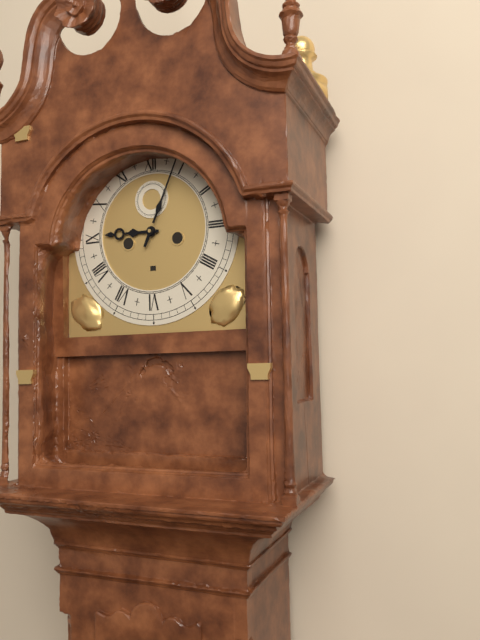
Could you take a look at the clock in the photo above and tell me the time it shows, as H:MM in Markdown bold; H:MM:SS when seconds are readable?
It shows **9:04**
